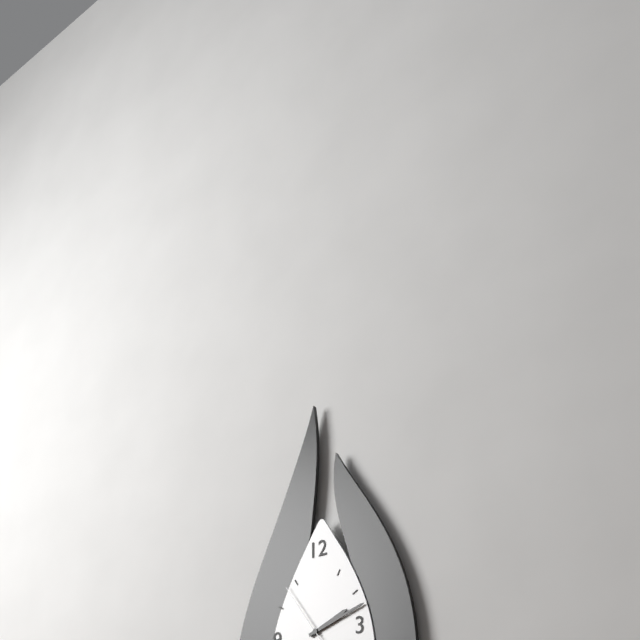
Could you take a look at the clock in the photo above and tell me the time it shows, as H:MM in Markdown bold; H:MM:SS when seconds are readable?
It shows **2:12:54**
